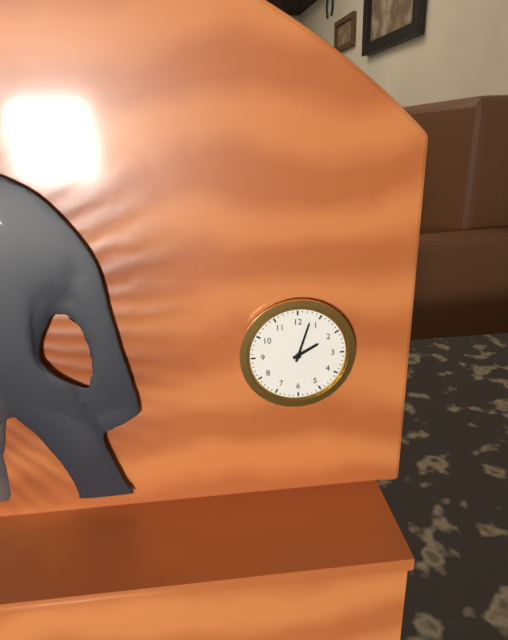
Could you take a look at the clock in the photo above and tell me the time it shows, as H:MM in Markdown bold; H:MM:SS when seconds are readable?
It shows **2:03**
